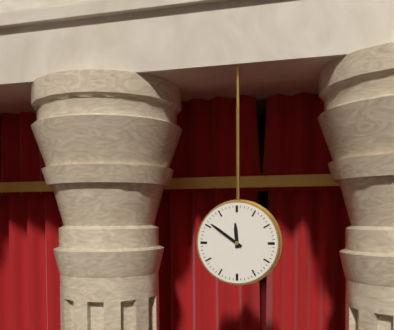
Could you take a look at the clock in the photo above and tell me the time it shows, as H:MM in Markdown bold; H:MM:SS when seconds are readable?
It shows **11:51**
